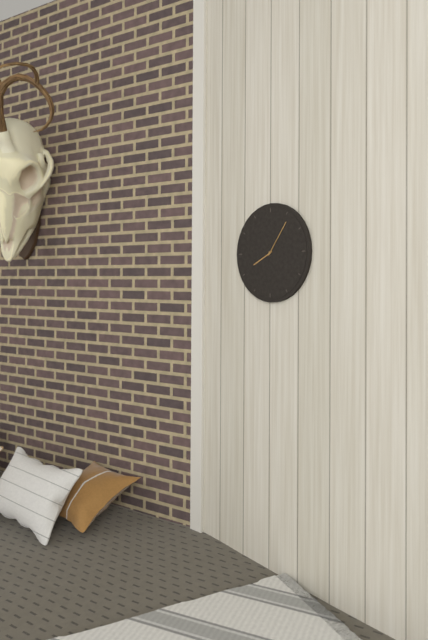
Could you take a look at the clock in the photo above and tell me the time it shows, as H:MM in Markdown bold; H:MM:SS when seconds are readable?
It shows **8:06**
